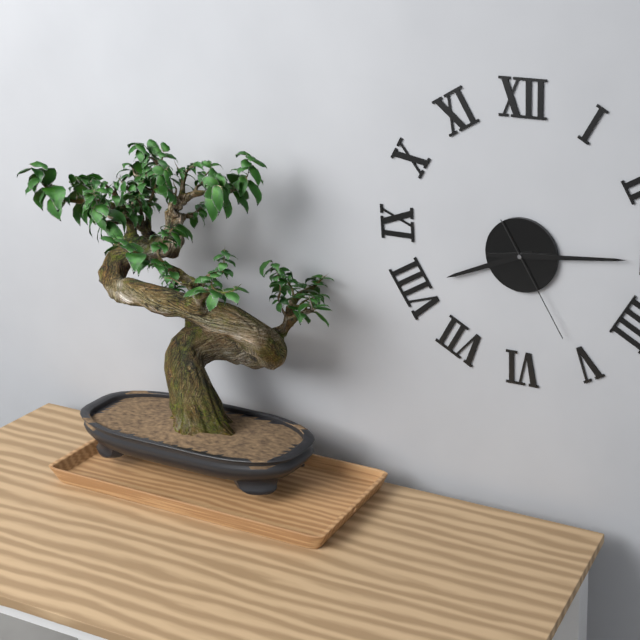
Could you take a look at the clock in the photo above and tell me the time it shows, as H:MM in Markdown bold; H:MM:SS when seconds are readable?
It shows **8:14:25**
